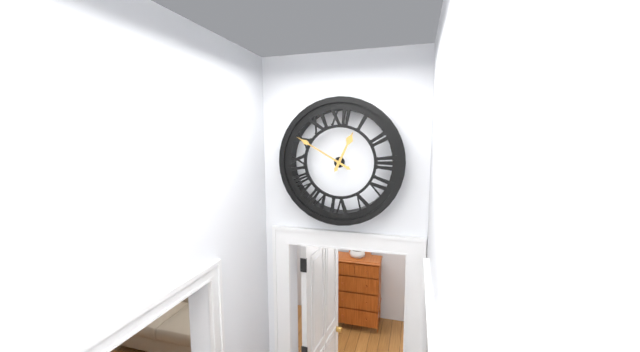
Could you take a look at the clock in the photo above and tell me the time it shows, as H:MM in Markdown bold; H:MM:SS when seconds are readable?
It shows **12:50**
